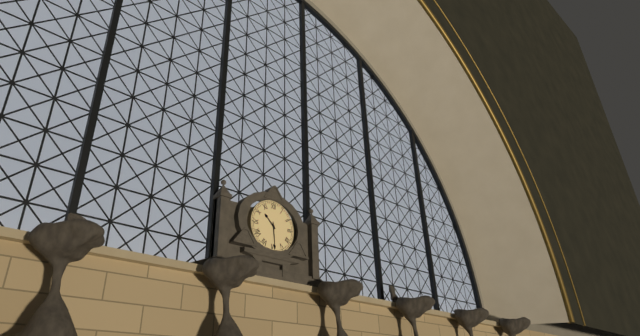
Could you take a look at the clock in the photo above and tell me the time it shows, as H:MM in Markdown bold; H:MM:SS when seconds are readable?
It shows **10:29**
